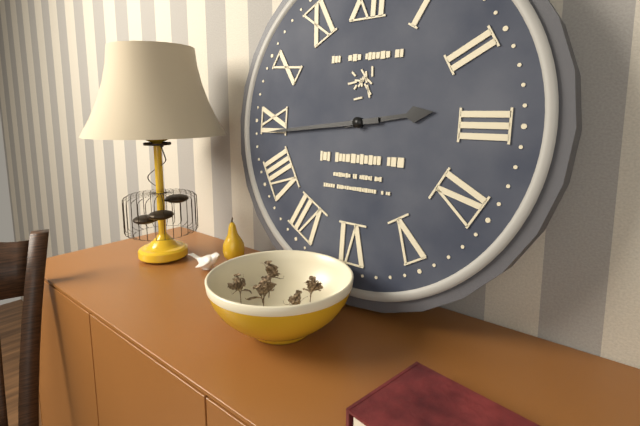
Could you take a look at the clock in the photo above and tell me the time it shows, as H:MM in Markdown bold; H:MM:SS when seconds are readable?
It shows **2:44**
